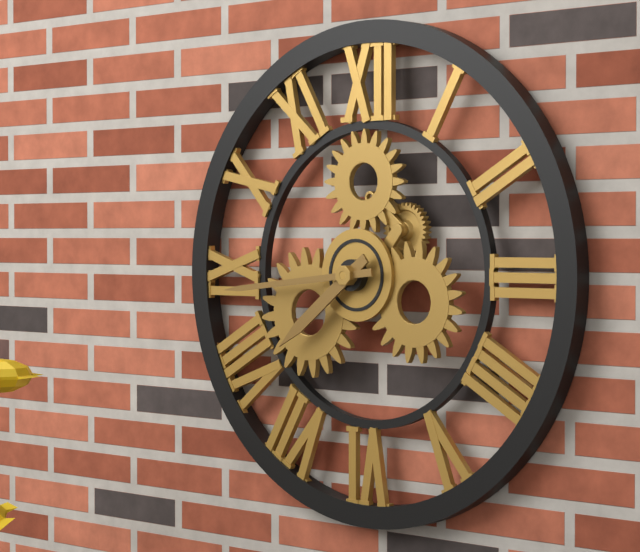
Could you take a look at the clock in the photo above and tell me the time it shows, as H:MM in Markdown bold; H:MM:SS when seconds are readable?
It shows **7:44**
